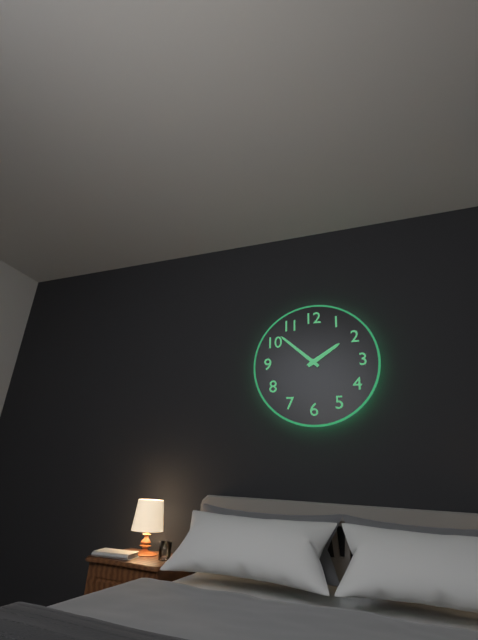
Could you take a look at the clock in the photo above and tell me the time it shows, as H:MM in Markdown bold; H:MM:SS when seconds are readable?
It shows **1:52**
